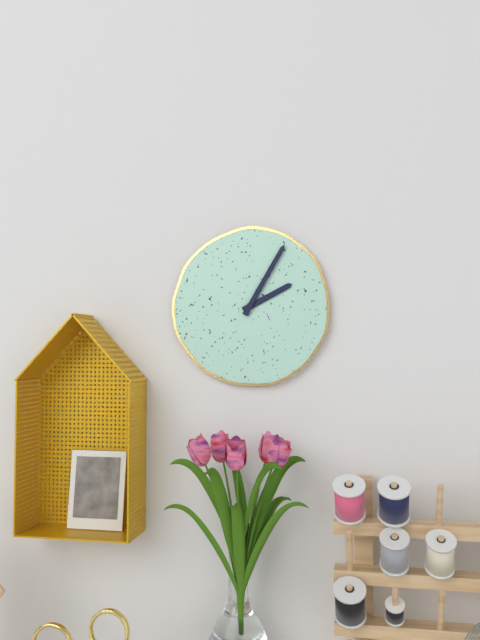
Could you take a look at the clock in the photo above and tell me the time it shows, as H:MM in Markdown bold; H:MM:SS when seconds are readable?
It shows **2:05**
